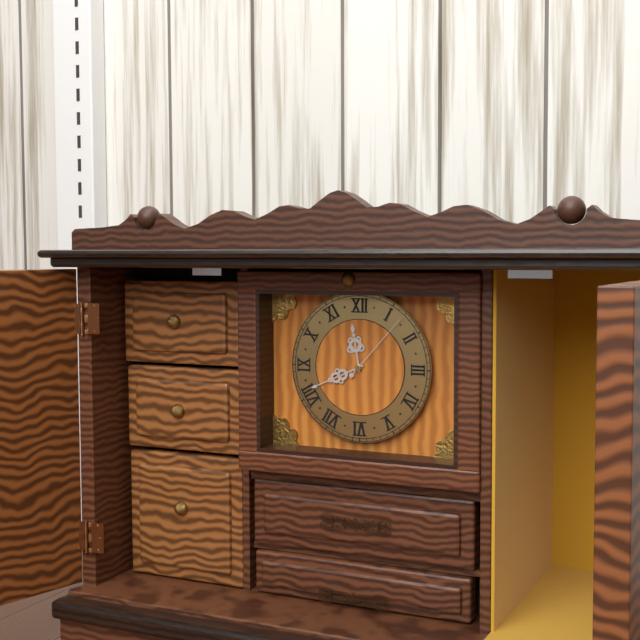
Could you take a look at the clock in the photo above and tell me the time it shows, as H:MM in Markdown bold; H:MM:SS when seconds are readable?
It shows **11:41:07**
